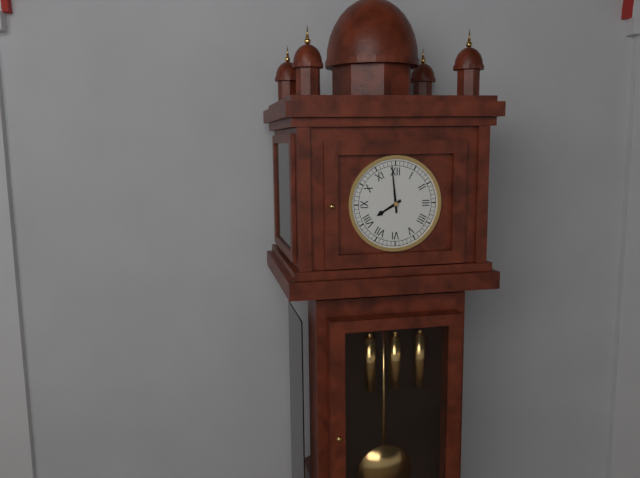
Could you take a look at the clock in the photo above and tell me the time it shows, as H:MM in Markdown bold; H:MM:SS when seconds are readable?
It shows **7:59**
